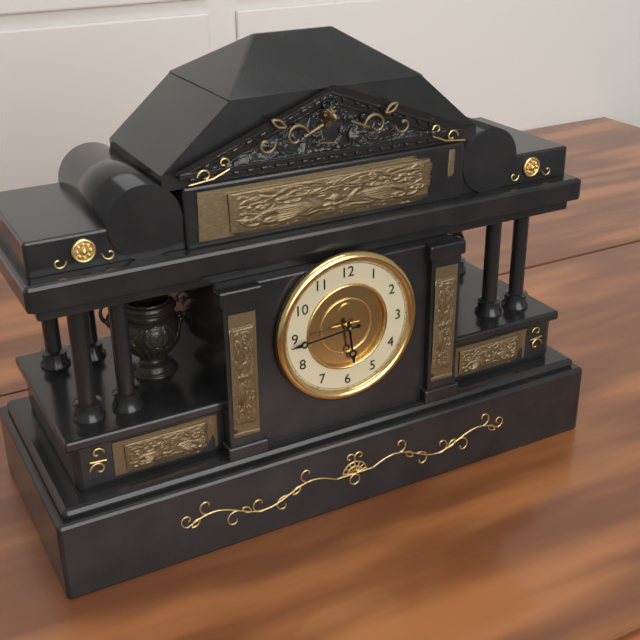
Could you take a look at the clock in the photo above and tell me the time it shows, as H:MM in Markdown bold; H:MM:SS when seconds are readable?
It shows **5:44**
